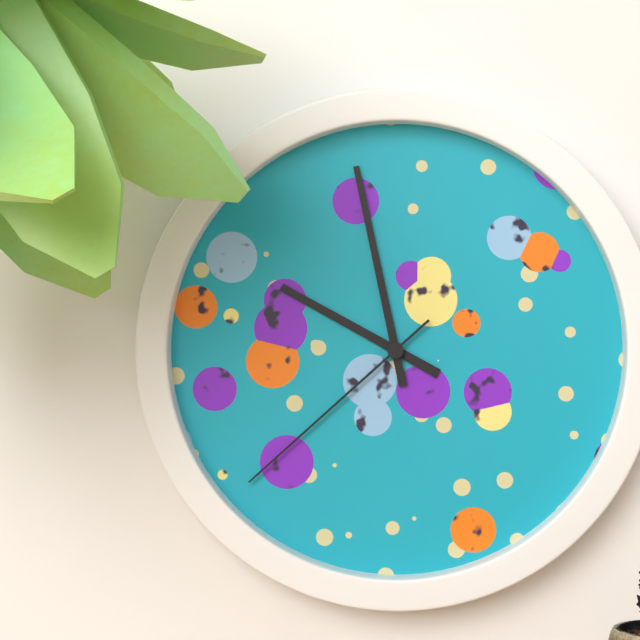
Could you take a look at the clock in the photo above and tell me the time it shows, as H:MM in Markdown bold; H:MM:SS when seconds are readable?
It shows **9:58:38**
